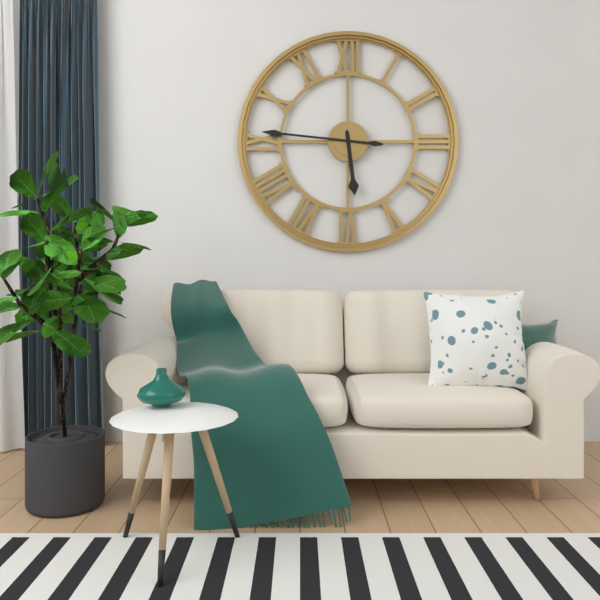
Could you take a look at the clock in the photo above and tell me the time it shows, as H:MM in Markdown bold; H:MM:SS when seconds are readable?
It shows **5:46**
